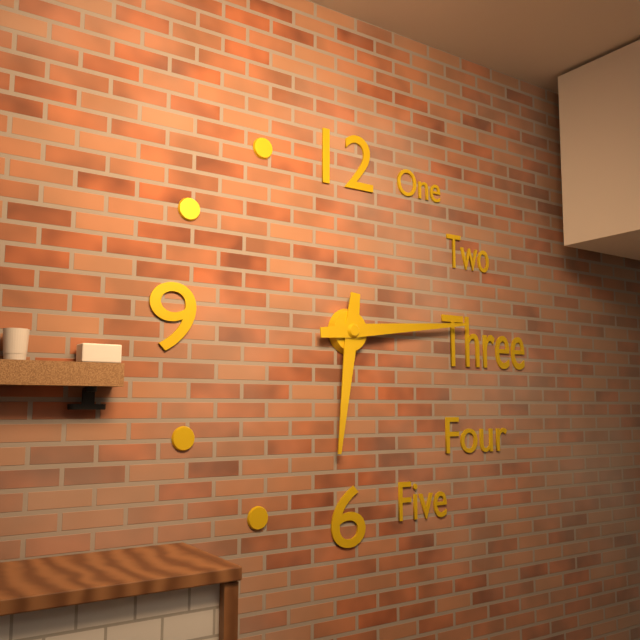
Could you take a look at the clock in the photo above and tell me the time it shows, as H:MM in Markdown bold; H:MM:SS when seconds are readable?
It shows **6:14**
